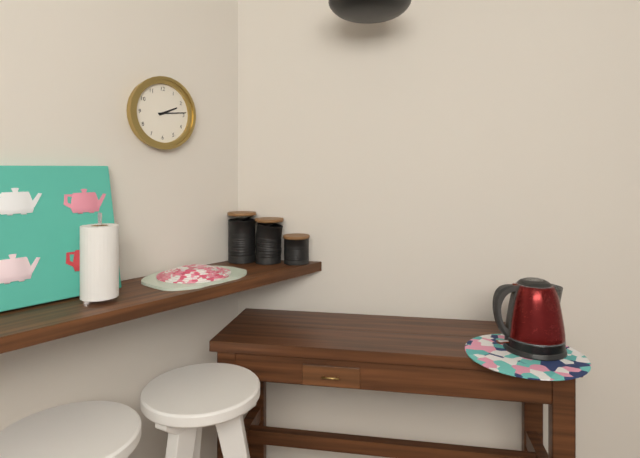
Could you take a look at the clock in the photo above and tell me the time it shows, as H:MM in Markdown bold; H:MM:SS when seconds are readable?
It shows **2:14**
